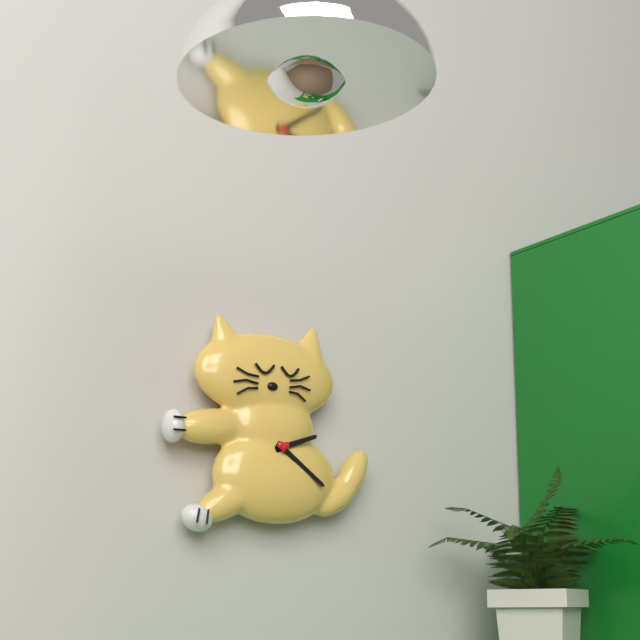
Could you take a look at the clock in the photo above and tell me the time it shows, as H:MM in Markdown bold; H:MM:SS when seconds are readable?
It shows **2:21**
